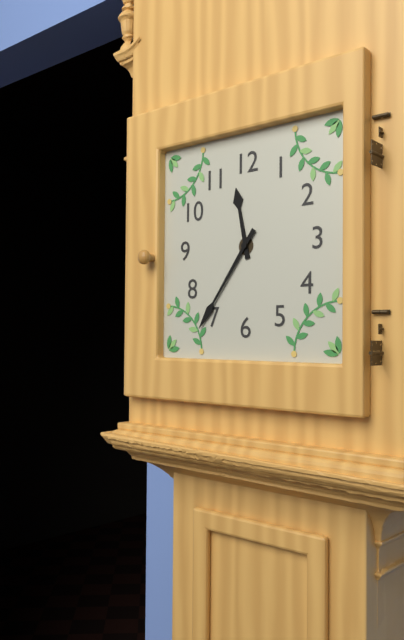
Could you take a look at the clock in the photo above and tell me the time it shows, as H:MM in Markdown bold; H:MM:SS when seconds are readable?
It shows **11:36**
